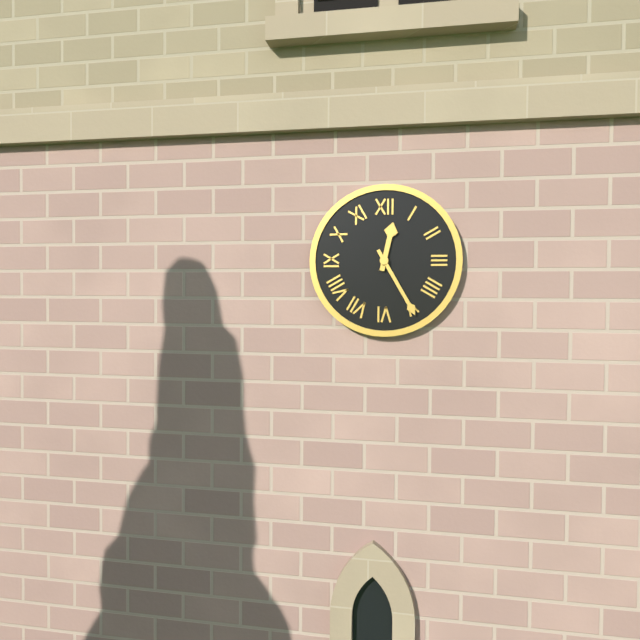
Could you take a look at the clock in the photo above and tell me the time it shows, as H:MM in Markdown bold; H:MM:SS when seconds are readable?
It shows **12:25**
